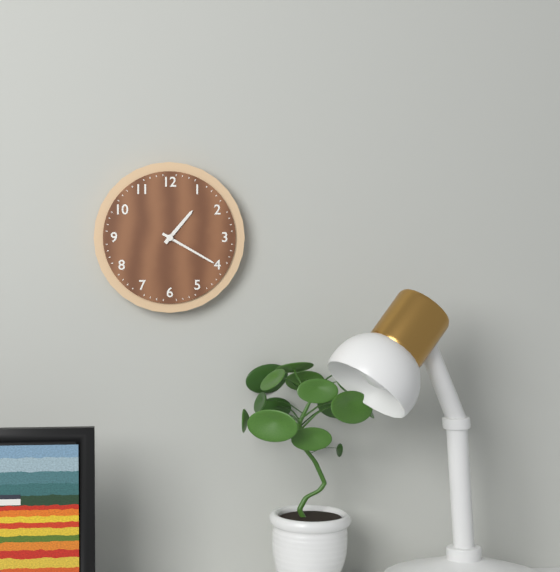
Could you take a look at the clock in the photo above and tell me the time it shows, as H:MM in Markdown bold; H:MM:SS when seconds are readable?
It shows **1:20**
